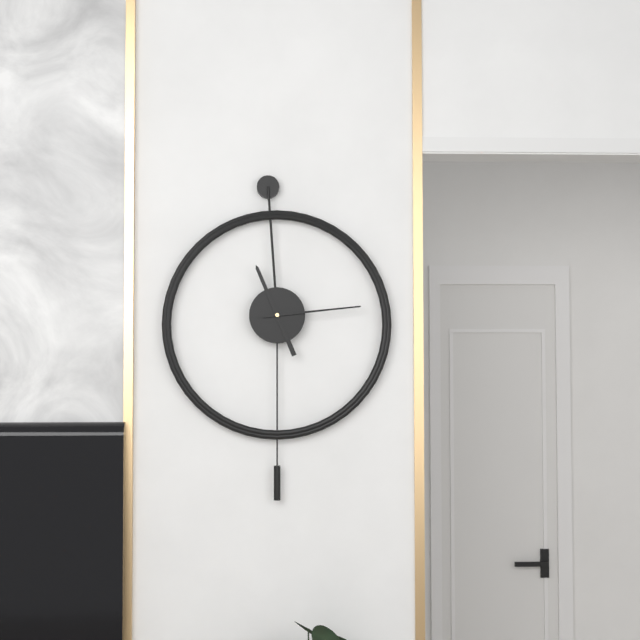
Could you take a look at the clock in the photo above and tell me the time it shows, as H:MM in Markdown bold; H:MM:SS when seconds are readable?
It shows **11:14**
